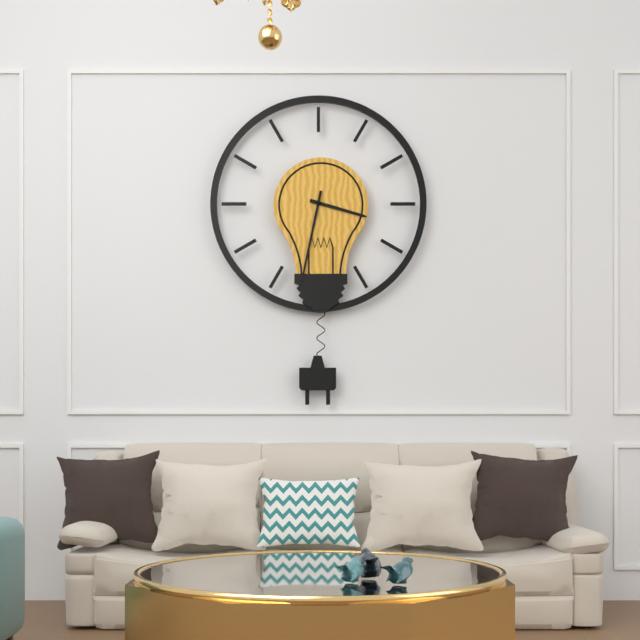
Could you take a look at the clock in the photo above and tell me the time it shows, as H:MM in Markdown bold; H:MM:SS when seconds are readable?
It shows **3:32**
